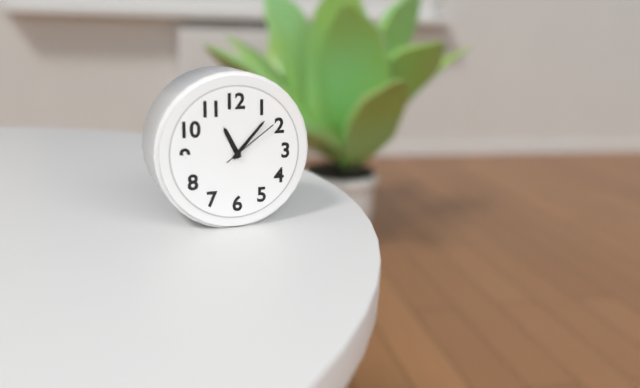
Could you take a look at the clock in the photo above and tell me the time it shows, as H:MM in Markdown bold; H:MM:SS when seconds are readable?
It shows **11:07:09**
